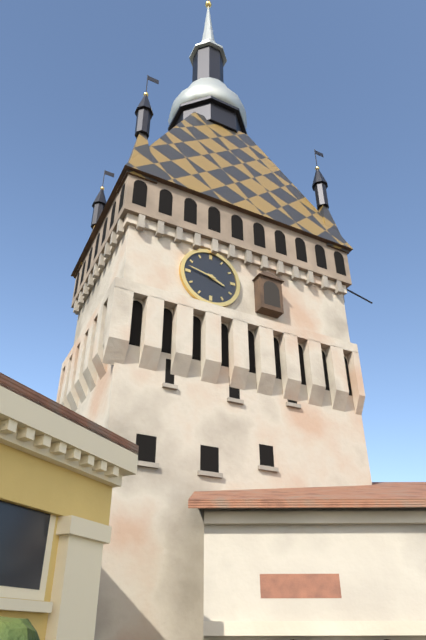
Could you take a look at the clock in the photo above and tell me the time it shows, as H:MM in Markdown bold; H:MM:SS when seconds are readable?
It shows **3:47**
